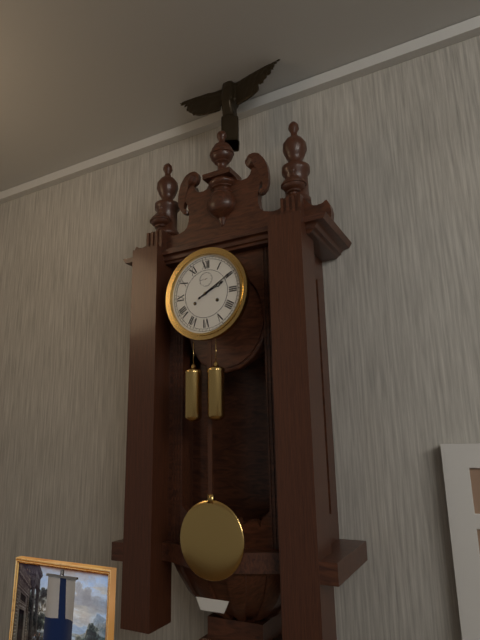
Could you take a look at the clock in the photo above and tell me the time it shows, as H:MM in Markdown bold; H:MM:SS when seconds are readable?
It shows **2:10**
